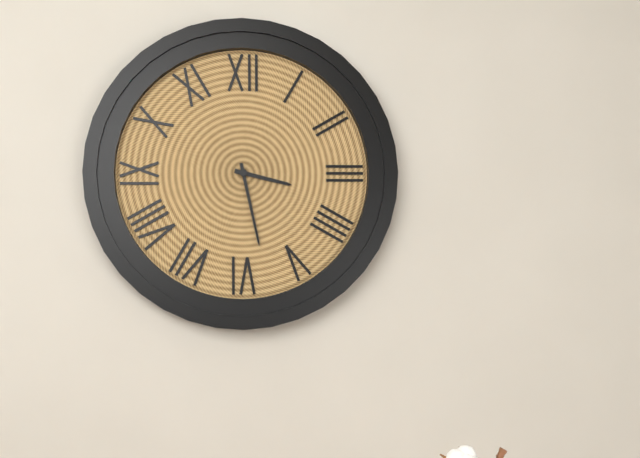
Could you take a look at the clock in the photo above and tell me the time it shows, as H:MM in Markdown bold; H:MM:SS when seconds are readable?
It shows **3:28**
